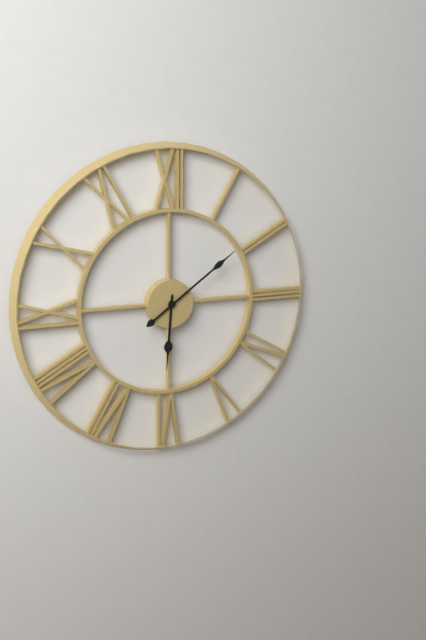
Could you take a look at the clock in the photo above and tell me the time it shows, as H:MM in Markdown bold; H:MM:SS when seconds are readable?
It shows **6:09**
